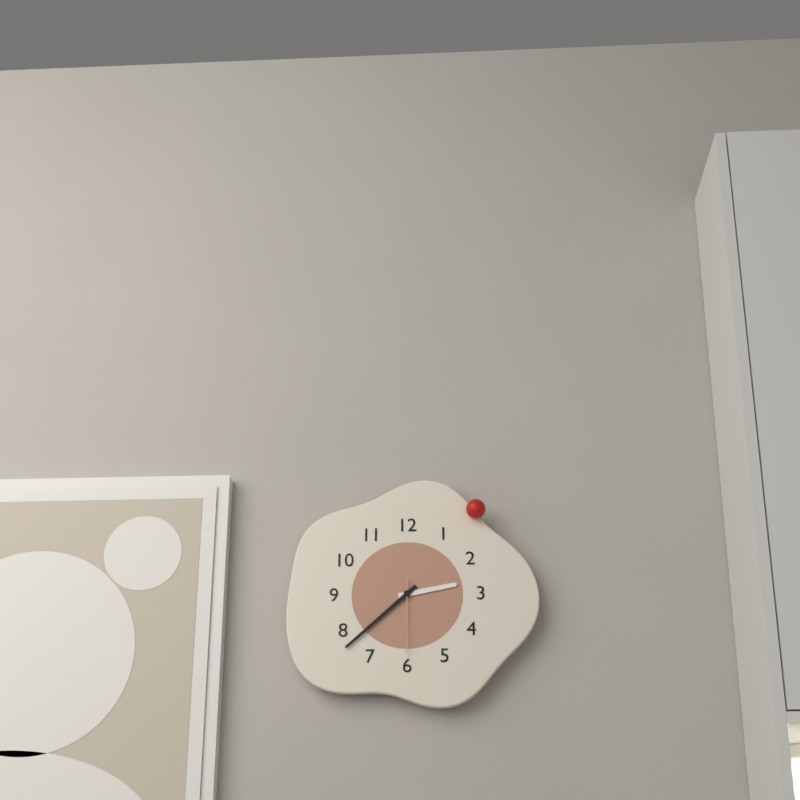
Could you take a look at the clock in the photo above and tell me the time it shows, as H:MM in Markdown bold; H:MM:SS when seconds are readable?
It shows **2:38:30**
